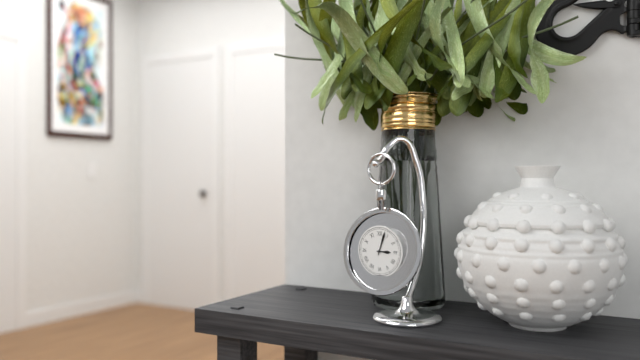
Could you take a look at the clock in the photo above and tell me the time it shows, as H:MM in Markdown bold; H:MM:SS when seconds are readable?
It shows **3:03**
